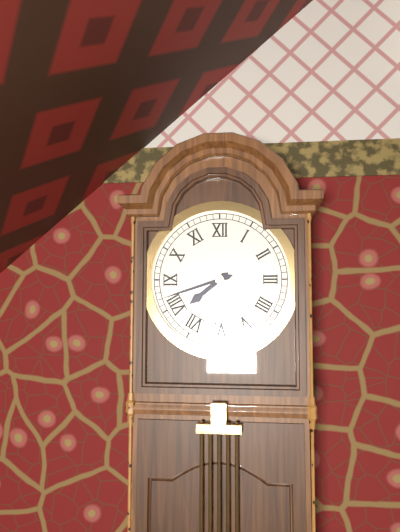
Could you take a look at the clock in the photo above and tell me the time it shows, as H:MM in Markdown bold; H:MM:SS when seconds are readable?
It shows **7:42**
